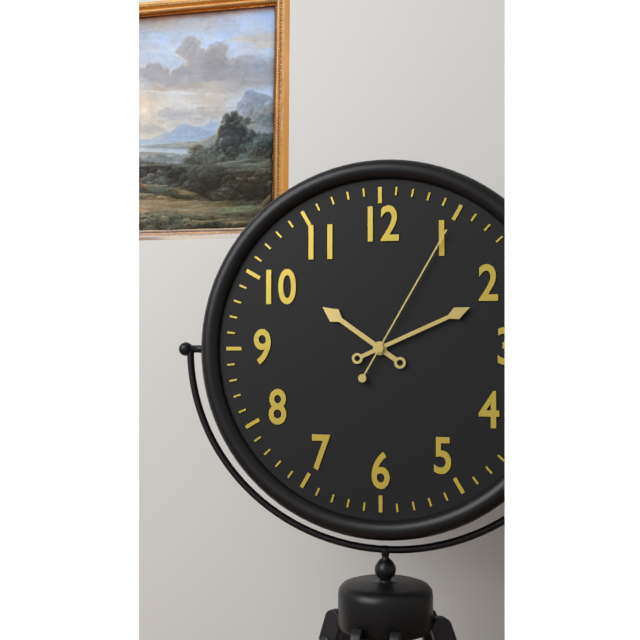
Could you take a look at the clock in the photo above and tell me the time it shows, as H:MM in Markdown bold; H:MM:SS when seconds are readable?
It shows **10:11:05**
